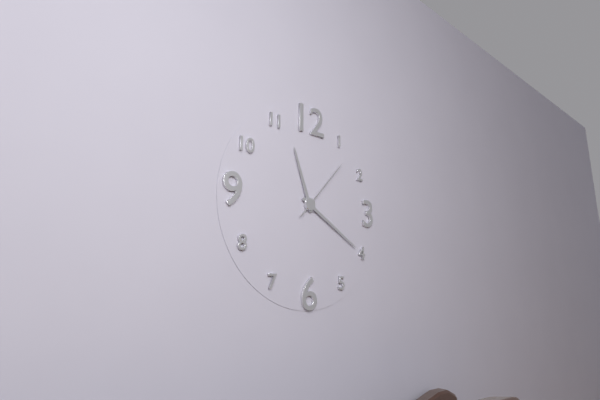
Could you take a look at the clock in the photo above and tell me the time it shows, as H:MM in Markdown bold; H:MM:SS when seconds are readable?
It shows **11:20:07**
